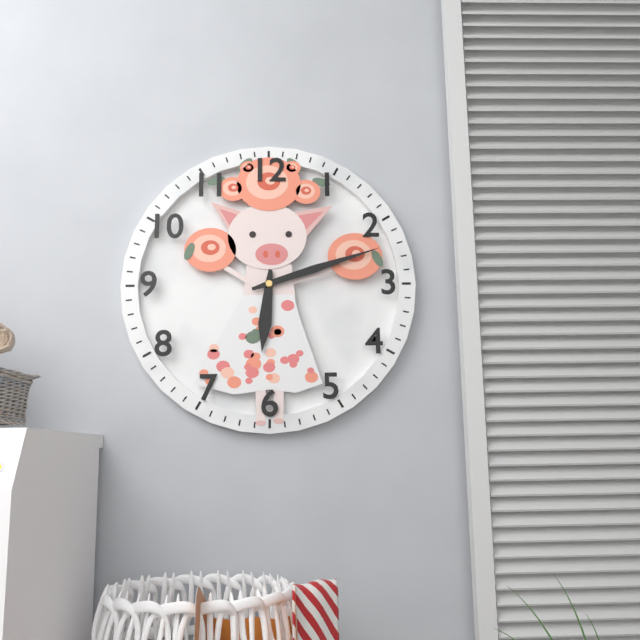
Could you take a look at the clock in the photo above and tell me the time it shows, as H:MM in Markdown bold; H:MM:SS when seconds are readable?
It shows **6:12**
